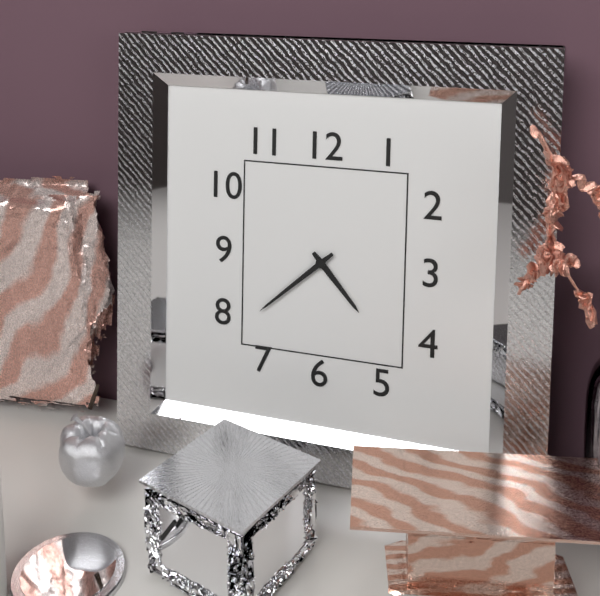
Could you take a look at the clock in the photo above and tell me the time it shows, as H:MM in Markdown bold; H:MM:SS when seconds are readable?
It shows **4:38**
